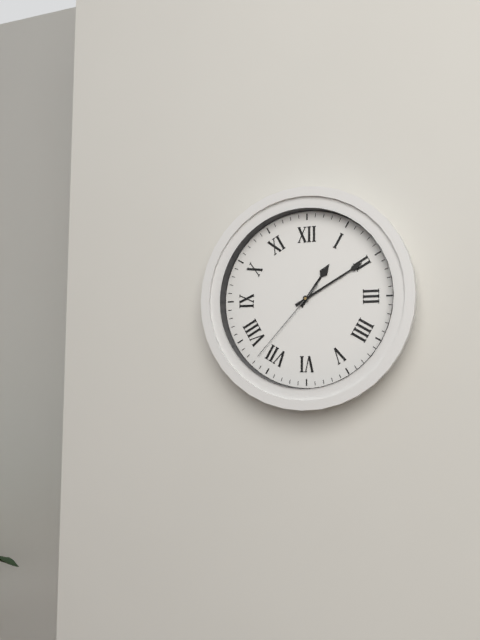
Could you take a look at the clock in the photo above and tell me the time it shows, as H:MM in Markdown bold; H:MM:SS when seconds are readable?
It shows **1:10:37**
